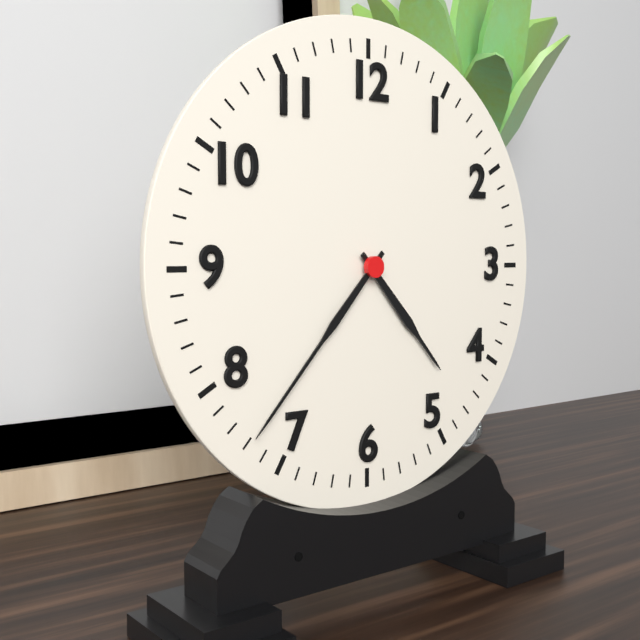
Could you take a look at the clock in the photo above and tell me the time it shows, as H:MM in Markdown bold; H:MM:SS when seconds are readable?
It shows **4:37**
